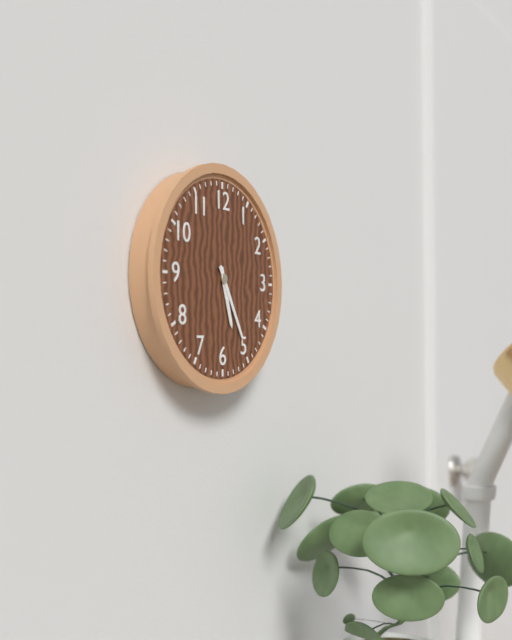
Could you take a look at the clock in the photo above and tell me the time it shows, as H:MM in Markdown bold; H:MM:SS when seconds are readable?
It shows **5:25**
